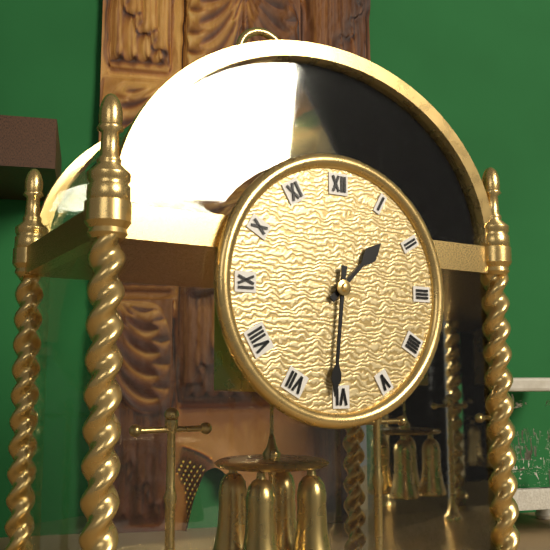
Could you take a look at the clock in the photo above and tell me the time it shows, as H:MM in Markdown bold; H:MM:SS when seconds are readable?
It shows **1:31**
